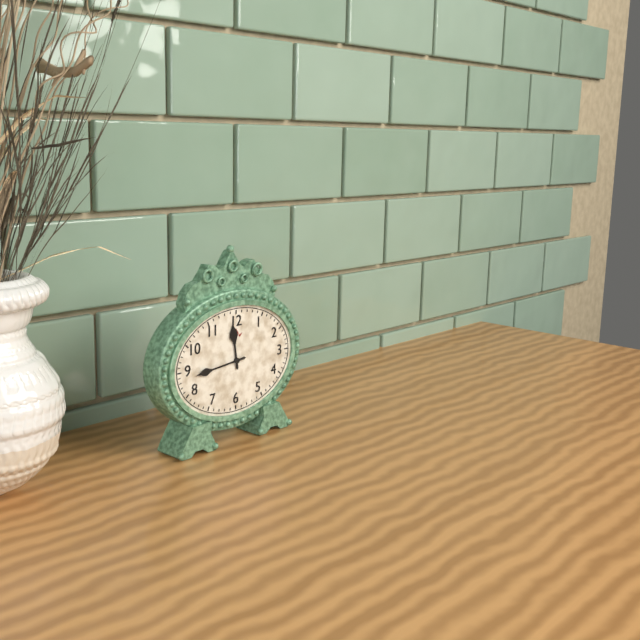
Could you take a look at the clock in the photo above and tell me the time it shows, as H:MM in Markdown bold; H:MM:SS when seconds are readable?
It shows **11:44**
